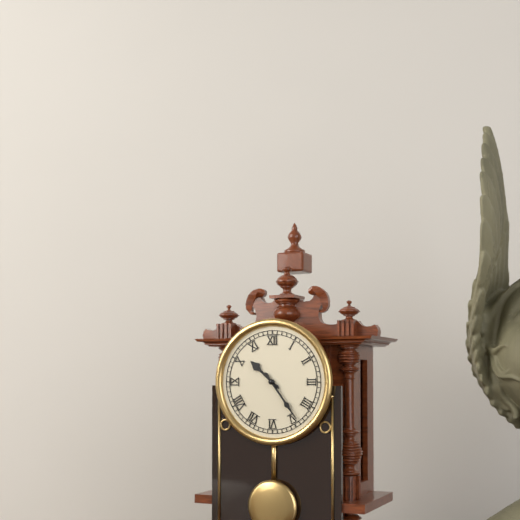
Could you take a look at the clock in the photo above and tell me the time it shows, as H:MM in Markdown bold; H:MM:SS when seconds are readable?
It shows **10:24**
